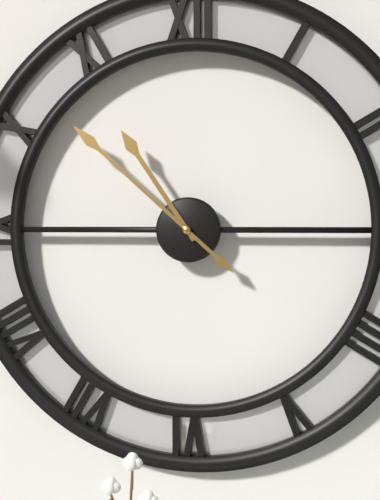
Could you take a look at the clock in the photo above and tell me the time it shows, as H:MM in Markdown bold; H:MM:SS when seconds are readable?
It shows **10:52**
